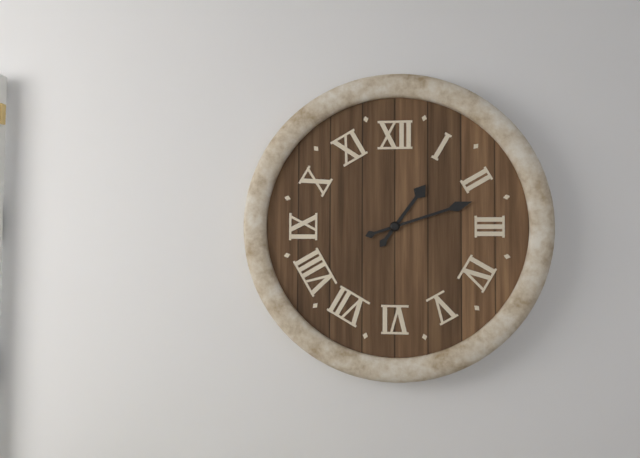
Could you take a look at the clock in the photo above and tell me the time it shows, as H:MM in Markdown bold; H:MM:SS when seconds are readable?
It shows **1:12**
